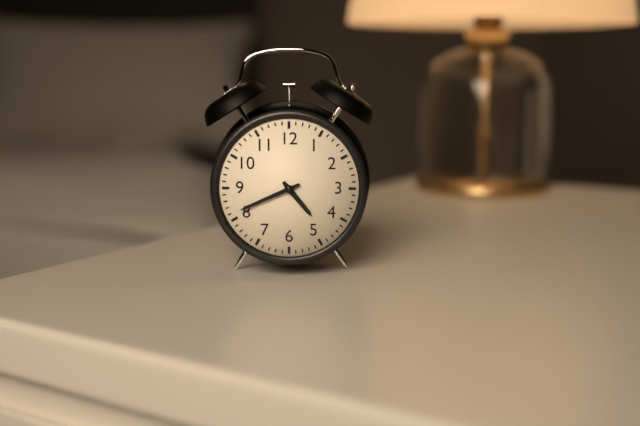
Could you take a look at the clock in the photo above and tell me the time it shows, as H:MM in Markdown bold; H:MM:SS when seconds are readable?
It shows **4:41**
